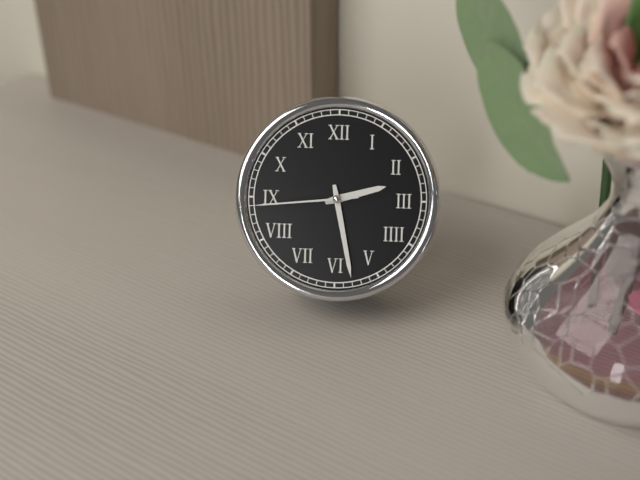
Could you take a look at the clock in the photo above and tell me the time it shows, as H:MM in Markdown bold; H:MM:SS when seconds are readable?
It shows **2:28:44**
